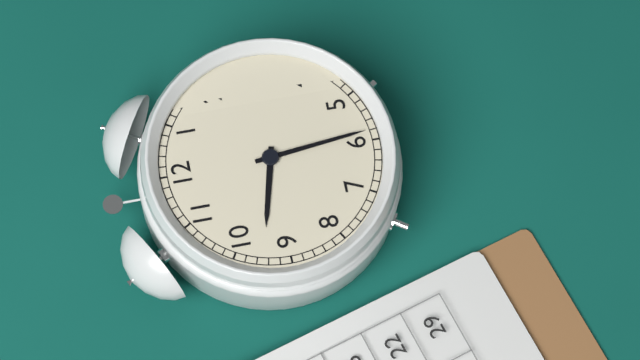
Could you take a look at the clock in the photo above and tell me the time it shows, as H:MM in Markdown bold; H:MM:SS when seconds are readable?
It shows **9:29**
